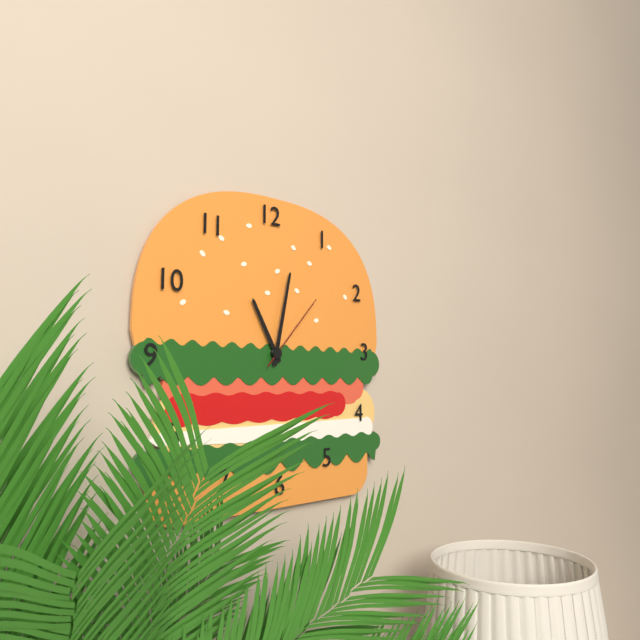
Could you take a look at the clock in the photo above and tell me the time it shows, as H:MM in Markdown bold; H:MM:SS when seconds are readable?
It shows **11:02:07**
